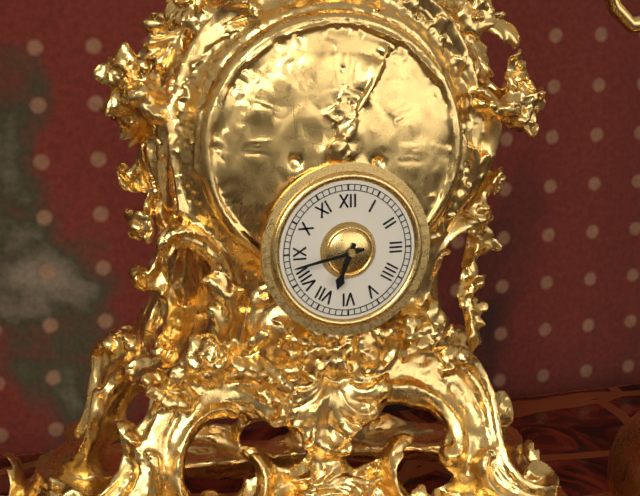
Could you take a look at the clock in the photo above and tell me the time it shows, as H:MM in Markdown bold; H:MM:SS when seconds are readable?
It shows **6:43**
